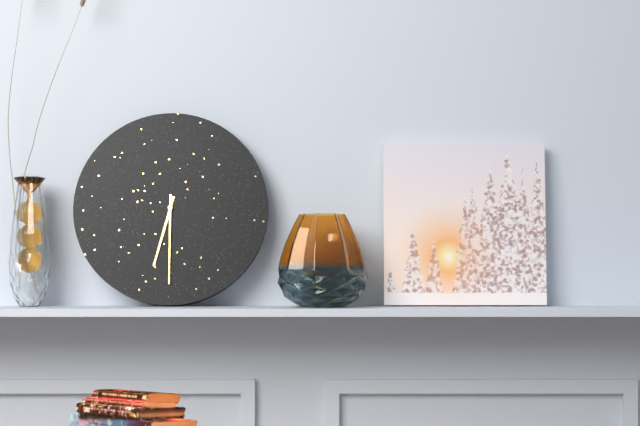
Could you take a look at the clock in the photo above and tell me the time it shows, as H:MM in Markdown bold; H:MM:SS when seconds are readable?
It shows **6:30**
